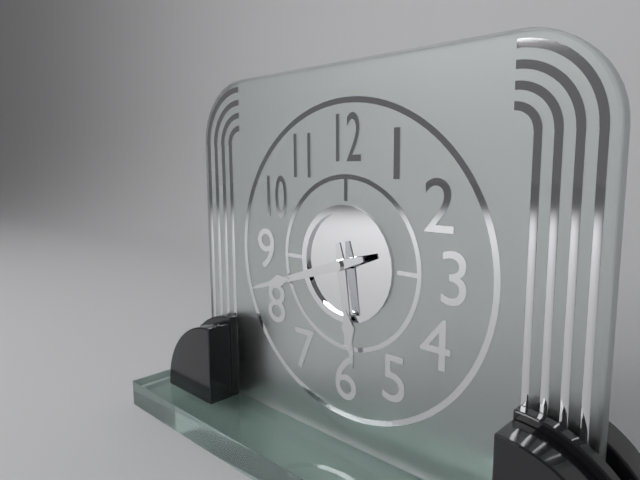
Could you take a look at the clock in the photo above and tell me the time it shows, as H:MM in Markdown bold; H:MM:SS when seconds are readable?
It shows **5:42**
